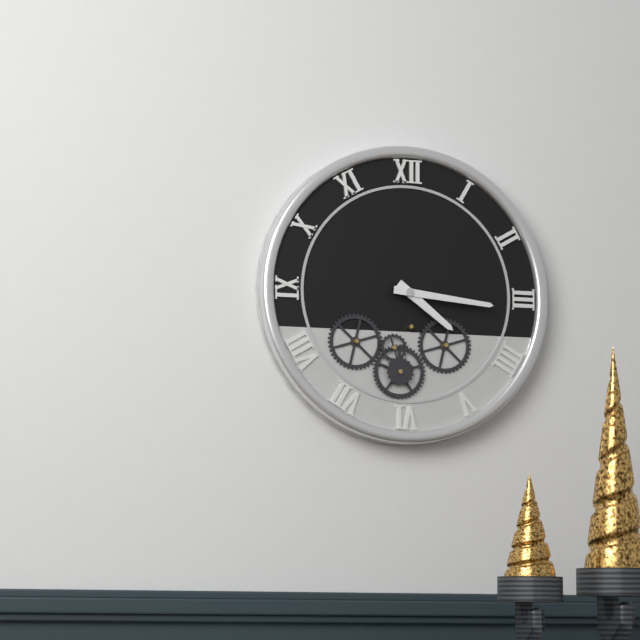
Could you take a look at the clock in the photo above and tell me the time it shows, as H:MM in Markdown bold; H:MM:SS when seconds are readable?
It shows **4:16**
